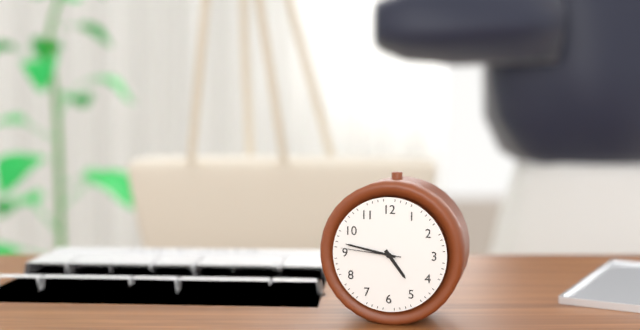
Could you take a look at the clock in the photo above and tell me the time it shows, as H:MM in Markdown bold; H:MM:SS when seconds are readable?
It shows **4:47:46**
